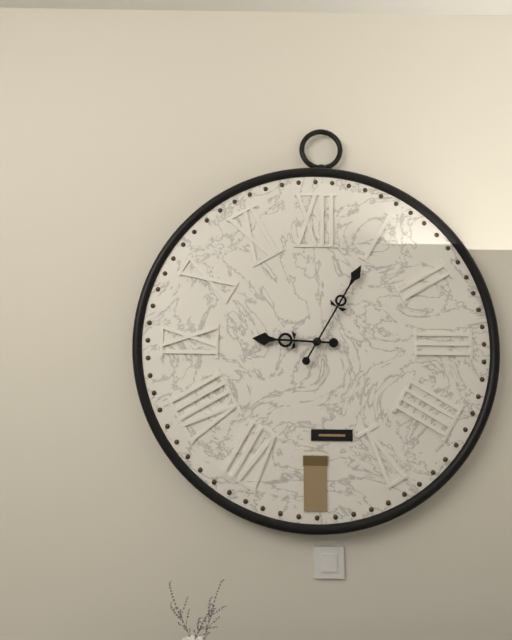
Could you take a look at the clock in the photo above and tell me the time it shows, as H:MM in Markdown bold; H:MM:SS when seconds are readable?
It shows **9:05**
